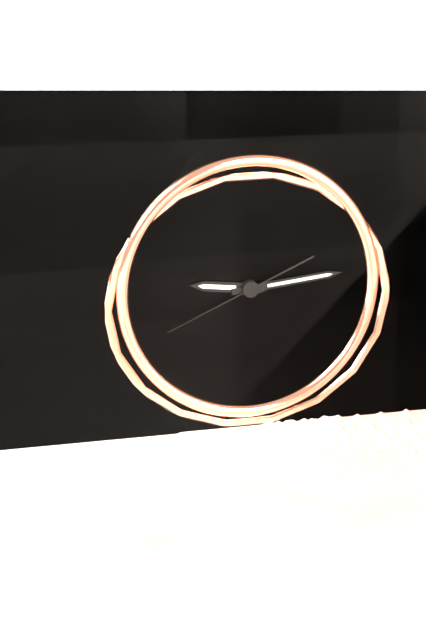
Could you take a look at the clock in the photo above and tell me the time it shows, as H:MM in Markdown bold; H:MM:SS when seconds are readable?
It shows **9:14:41**
